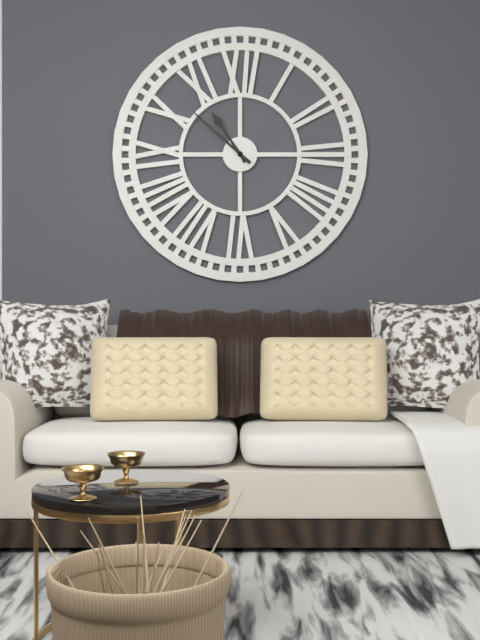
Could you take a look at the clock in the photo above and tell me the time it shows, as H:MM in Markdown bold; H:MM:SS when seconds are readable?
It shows **10:52**
